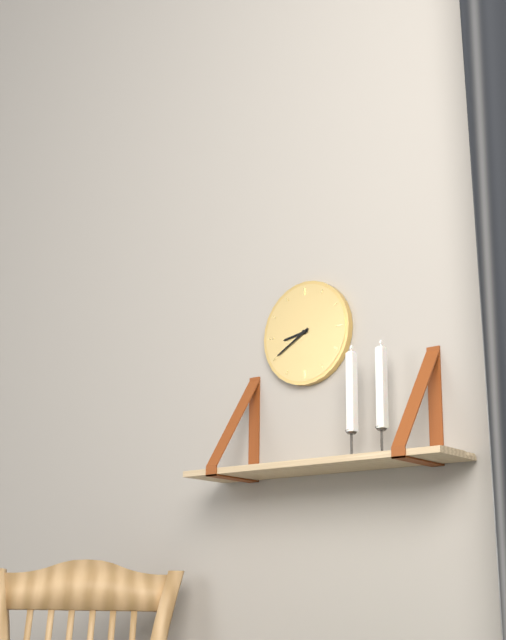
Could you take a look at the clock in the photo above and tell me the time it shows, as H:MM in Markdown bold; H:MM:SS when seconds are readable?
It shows **8:40**
